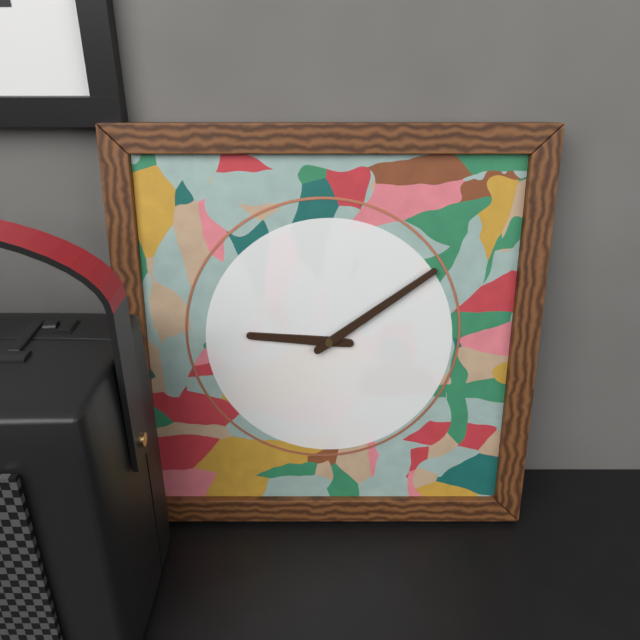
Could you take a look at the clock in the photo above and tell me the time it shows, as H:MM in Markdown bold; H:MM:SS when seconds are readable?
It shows **9:09**
